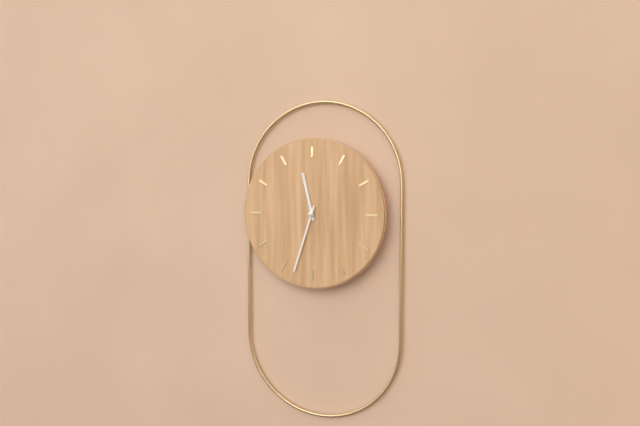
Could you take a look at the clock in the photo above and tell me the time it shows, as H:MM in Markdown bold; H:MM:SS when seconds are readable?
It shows **11:33**
